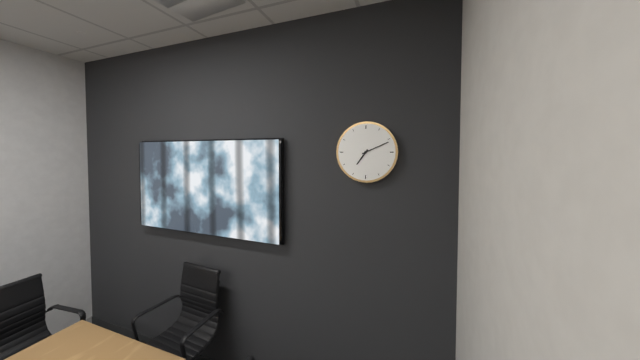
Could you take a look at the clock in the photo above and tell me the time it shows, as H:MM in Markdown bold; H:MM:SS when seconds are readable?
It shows **7:11**
